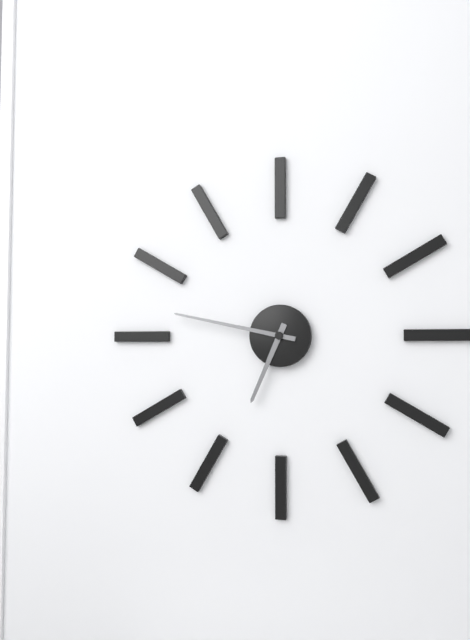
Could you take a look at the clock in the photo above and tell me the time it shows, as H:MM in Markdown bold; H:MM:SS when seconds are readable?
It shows **6:47**
